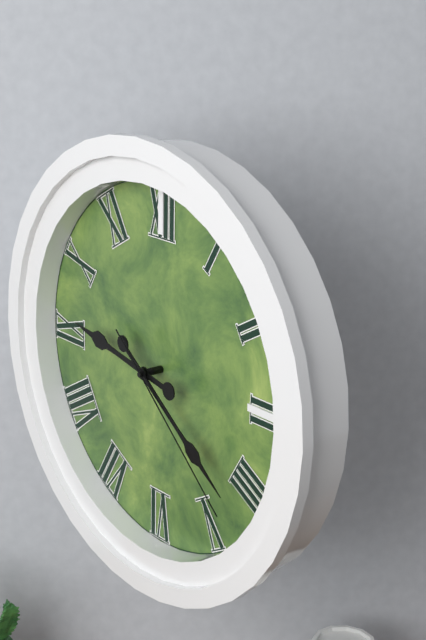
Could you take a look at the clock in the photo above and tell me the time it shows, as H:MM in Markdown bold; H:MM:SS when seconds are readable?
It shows **9:21:22**
